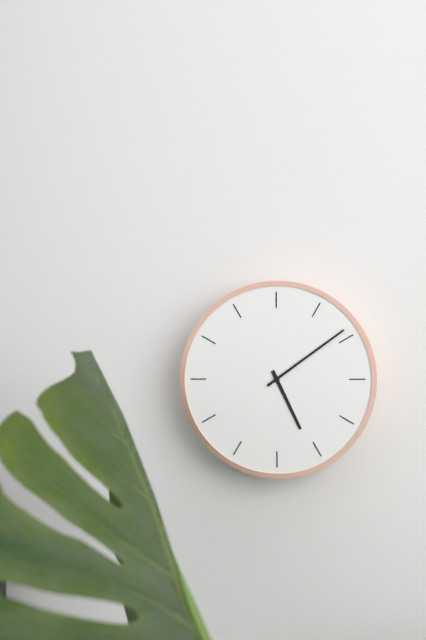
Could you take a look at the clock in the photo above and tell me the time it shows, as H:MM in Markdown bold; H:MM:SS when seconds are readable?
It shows **5:09**
